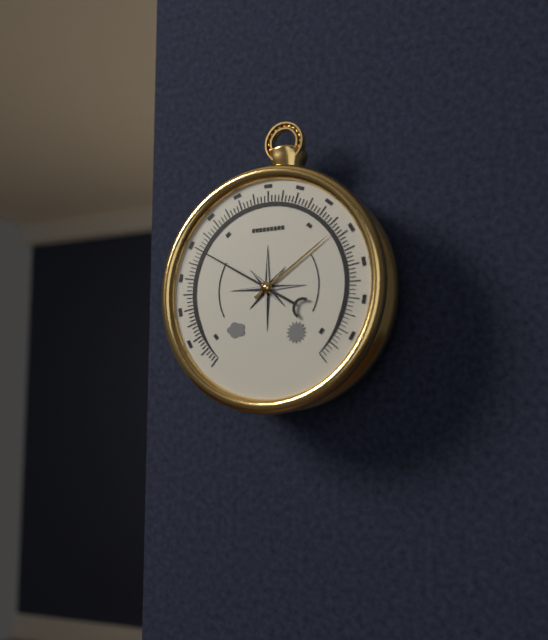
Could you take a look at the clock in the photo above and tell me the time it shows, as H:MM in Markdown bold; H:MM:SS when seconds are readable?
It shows **1:50**
